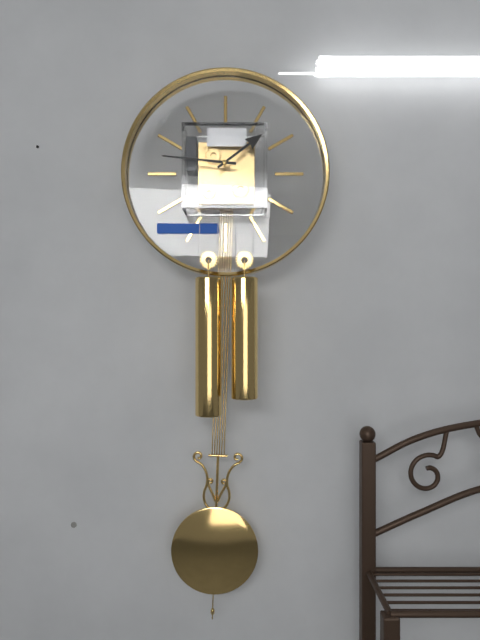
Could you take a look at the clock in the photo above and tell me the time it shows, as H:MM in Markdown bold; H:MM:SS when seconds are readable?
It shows **1:46**
